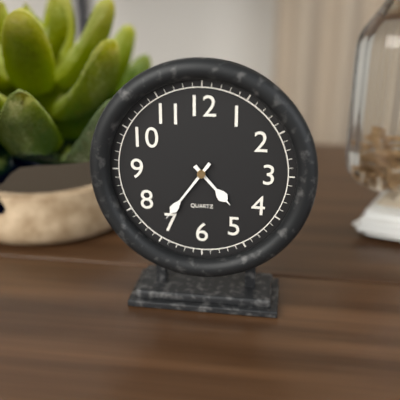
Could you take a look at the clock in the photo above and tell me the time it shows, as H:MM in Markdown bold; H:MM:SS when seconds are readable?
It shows **4:36**
